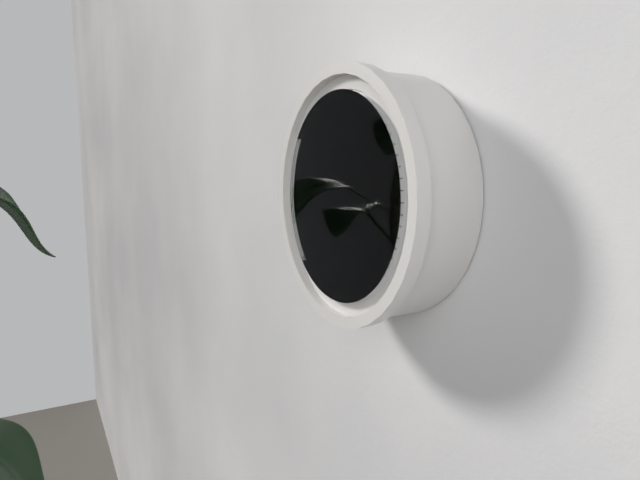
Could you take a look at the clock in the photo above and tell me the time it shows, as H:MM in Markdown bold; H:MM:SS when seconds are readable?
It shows **11:28:02**
